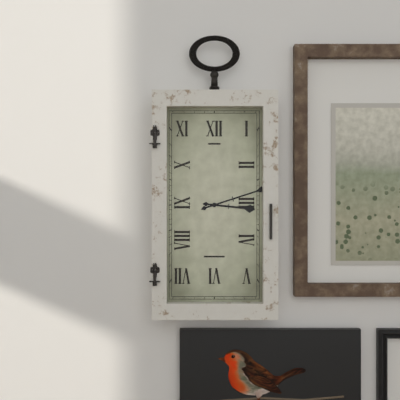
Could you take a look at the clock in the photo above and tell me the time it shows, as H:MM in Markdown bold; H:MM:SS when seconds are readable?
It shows **3:12**
